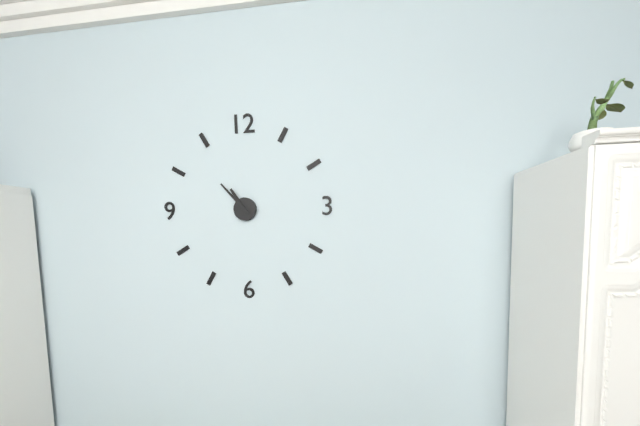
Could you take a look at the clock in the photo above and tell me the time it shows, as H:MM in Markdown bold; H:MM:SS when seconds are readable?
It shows **10:53**
